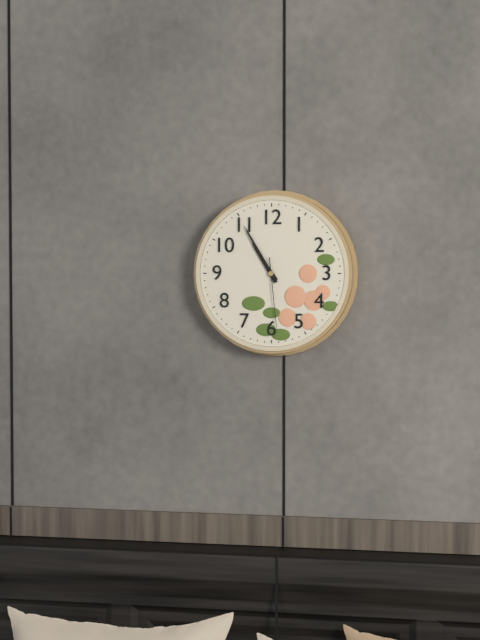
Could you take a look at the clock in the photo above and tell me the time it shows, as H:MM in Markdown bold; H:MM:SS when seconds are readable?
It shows **10:55:29**
